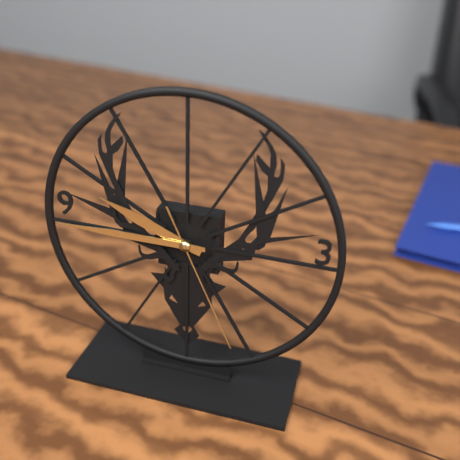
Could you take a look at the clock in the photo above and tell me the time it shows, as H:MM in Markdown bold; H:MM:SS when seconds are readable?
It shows **9:45:26**
